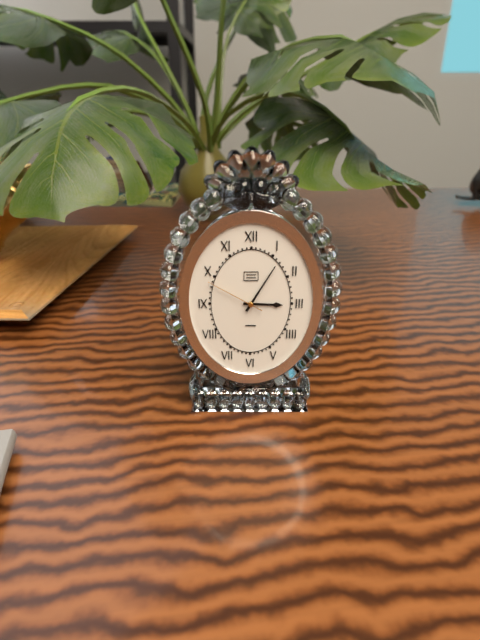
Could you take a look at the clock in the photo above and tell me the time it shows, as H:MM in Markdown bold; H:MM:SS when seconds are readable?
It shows **3:05:50**
